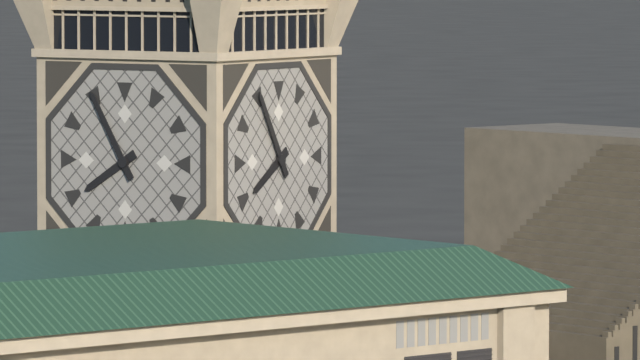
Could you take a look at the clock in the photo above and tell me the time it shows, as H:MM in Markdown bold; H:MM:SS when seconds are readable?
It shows **7:55**
